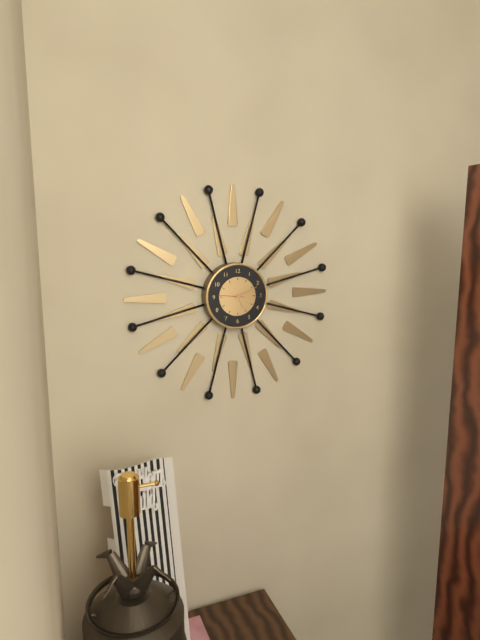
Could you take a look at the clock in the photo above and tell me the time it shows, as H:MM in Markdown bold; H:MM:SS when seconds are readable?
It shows **5:11**
